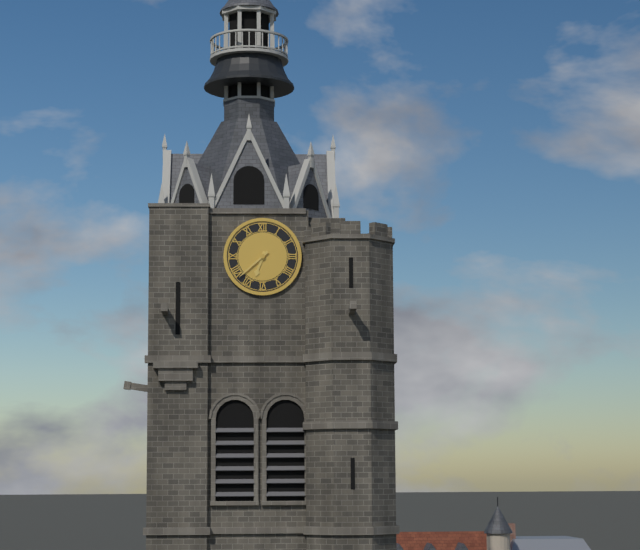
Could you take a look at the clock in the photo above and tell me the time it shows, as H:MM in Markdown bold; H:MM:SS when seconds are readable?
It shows **6:38**
